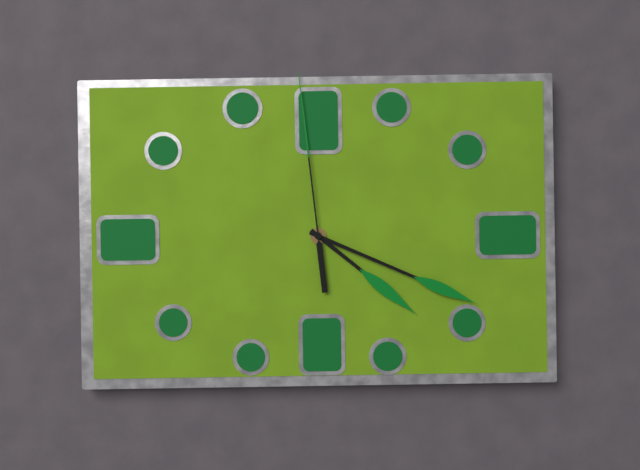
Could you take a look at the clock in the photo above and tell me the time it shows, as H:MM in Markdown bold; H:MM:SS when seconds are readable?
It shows **4:19:59**
